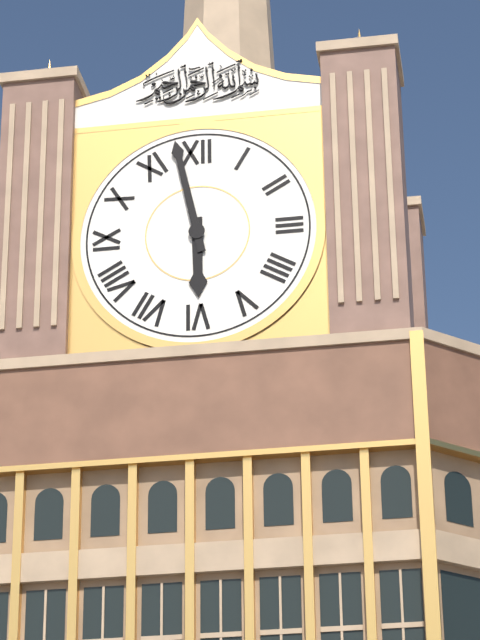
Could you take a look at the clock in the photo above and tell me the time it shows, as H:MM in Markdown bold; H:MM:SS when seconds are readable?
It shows **5:58**
